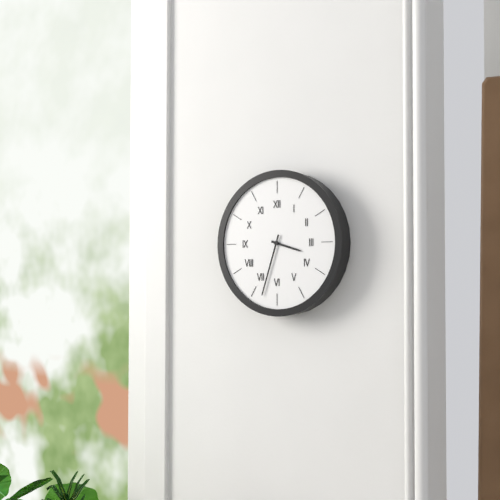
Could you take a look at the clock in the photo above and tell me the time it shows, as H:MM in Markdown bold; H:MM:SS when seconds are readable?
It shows **3:33**
